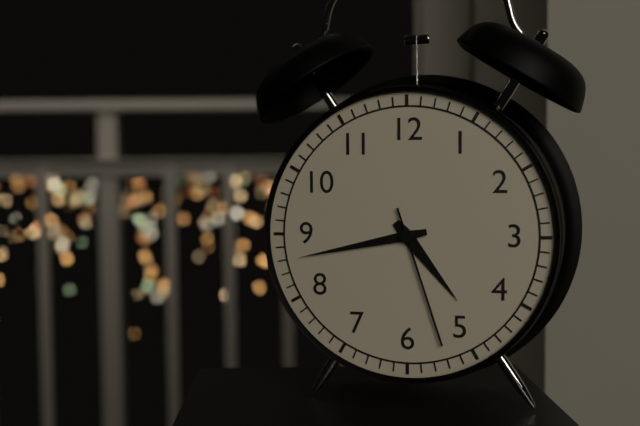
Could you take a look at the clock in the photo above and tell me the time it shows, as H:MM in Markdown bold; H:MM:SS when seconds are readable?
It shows **4:43:27**
